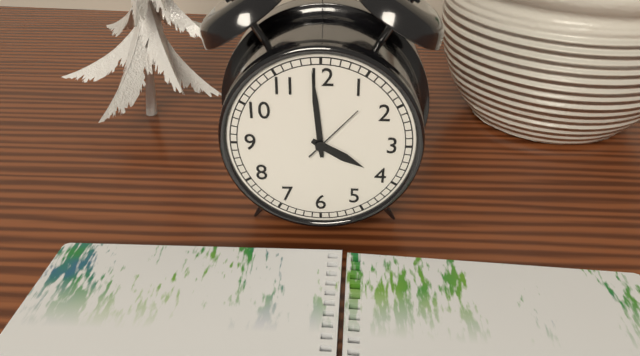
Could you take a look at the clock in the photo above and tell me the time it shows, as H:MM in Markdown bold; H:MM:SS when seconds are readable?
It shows **3:59:07**
